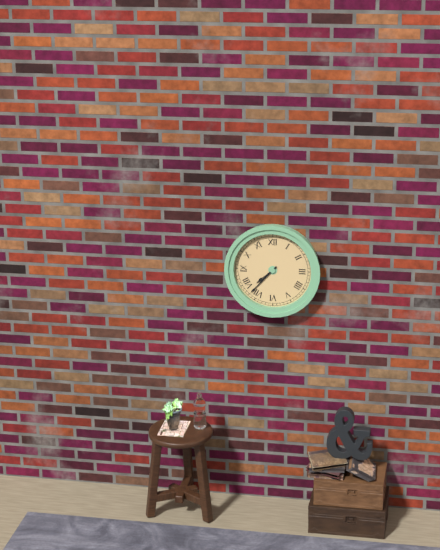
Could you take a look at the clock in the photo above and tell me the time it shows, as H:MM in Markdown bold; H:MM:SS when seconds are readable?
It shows **7:37**
